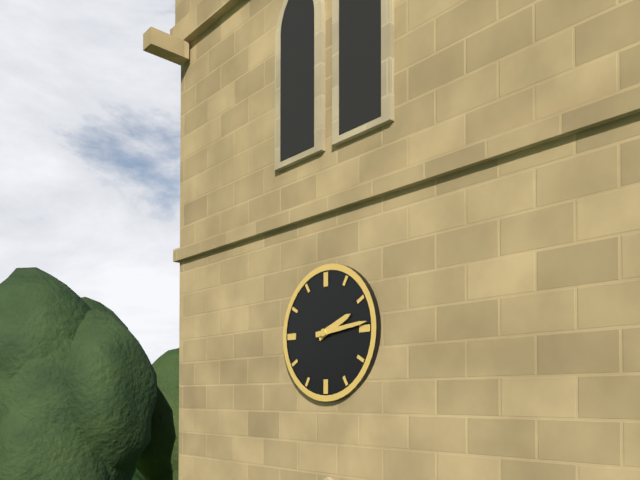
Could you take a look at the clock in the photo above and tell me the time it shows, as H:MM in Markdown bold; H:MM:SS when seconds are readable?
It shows **2:14**
